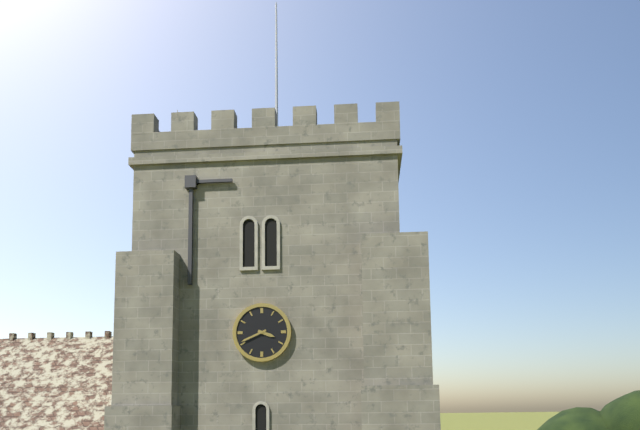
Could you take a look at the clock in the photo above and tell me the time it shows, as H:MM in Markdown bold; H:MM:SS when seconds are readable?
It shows **3:41**
